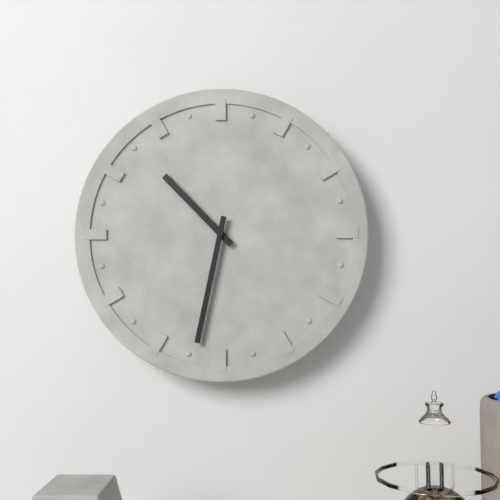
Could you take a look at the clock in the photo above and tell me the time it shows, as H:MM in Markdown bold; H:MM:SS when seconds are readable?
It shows **10:32**
